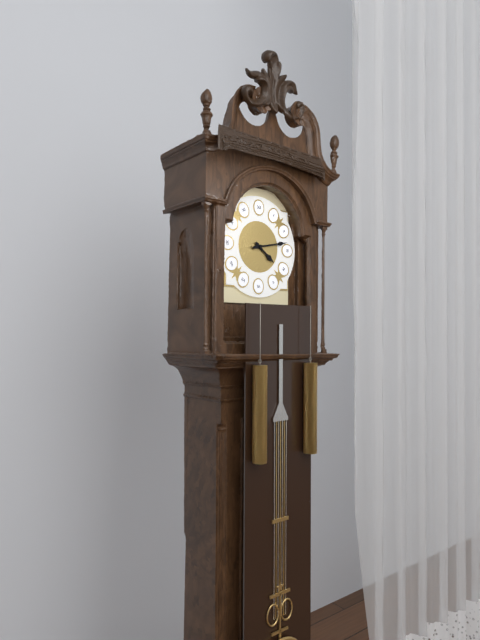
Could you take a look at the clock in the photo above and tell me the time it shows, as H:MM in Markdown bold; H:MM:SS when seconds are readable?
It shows **4:13**
